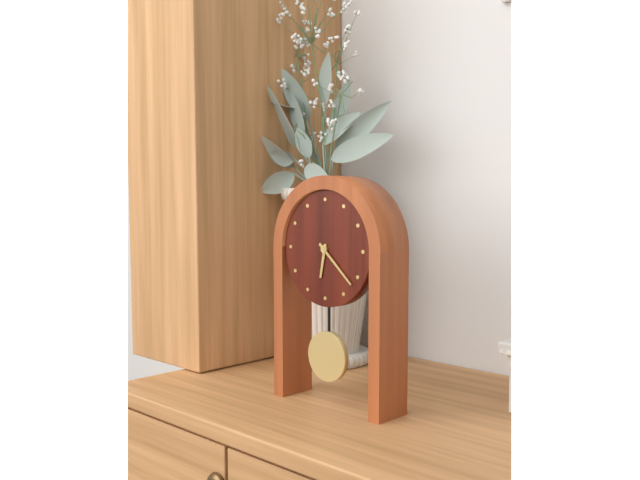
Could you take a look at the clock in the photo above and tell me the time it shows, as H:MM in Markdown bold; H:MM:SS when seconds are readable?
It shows **6:22**
